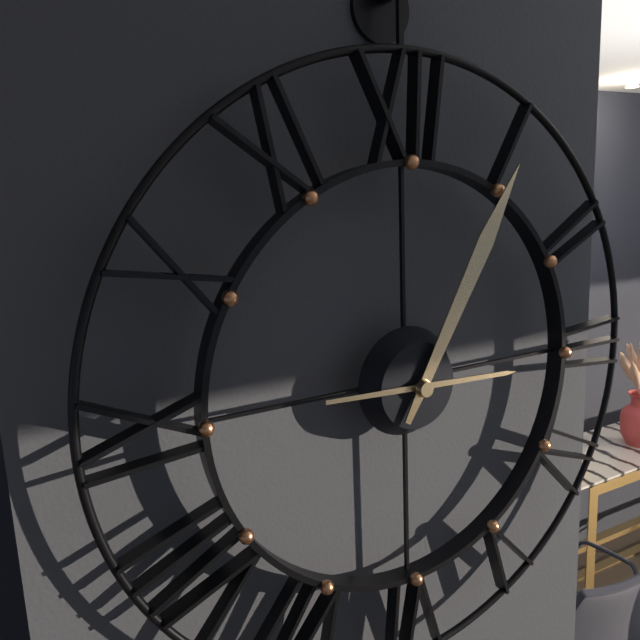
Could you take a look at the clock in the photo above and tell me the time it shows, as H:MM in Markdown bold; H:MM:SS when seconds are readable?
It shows **3:05**
